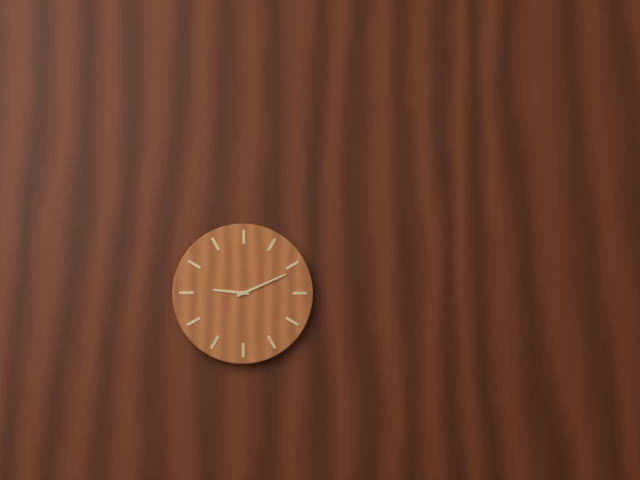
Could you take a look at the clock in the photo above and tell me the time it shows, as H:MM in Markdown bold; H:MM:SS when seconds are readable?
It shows **9:11**
